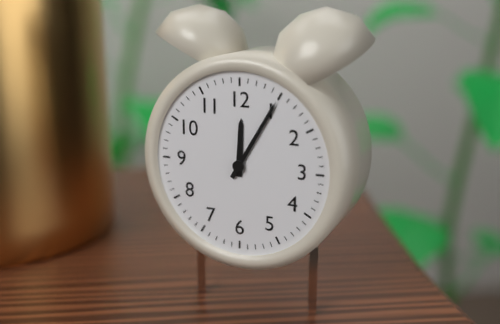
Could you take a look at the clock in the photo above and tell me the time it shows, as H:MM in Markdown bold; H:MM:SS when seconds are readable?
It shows **12:05**
